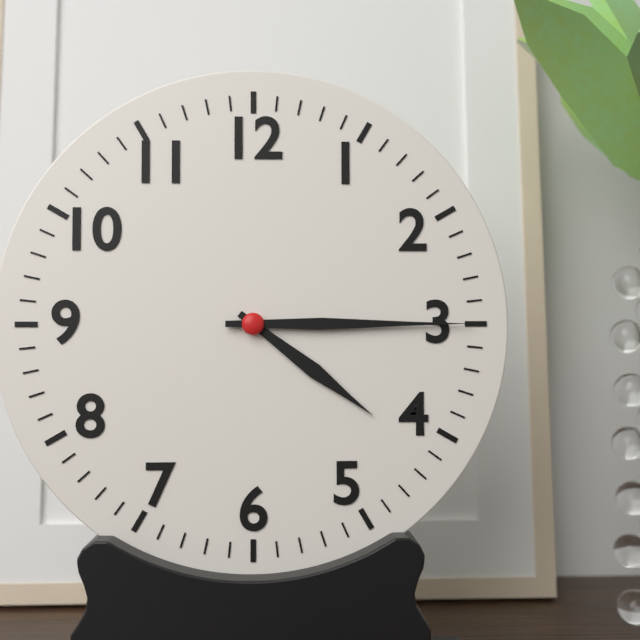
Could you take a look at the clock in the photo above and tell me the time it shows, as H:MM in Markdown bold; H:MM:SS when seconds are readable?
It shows **4:15**
